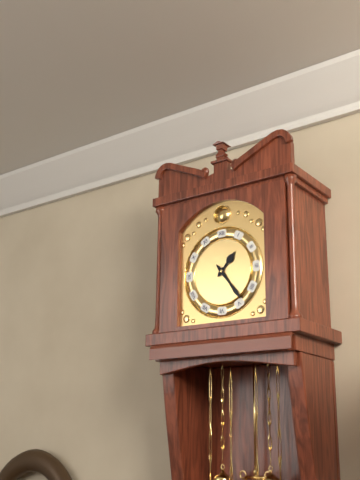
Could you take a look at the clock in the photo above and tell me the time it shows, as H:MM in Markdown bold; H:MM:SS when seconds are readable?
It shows **1:24**
